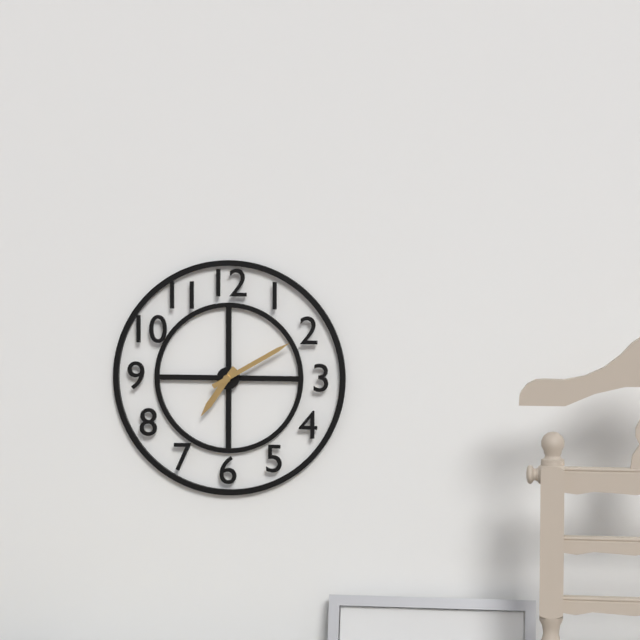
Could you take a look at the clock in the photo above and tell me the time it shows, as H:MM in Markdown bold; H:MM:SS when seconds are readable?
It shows **7:10**
